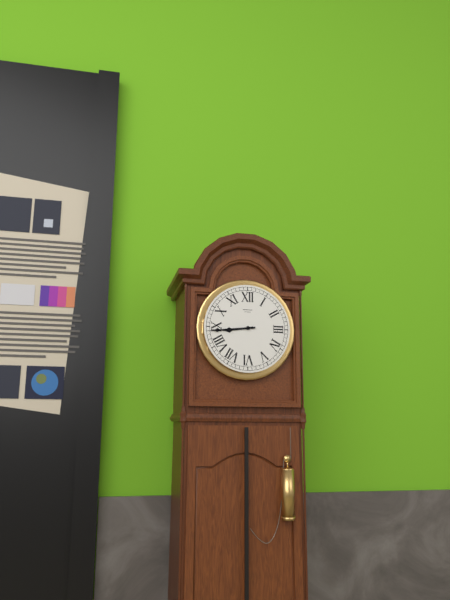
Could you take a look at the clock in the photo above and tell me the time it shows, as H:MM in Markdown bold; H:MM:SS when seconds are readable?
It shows **8:44**
